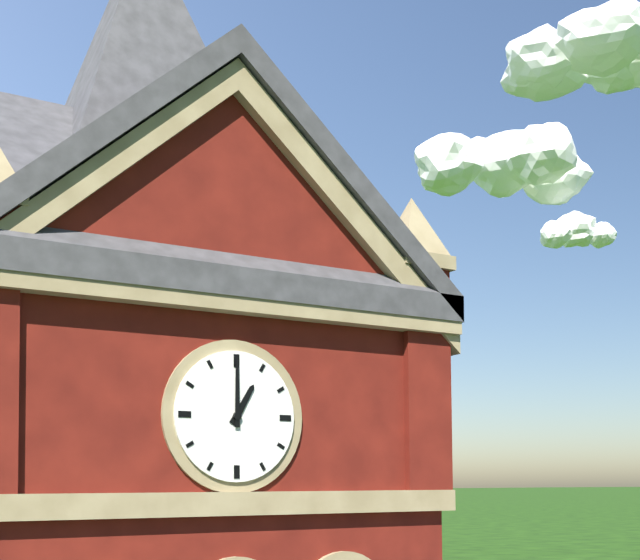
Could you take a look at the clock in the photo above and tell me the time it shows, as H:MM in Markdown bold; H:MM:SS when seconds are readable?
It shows **1:00**
